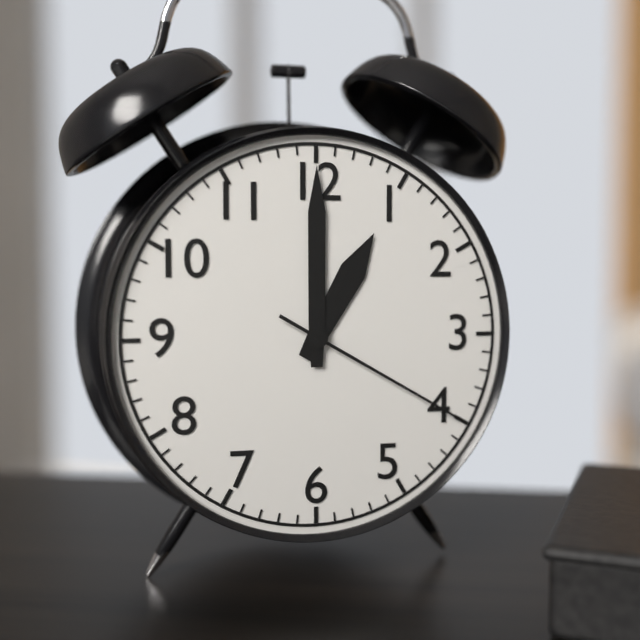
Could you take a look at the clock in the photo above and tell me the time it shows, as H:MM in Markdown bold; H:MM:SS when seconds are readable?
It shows **1:00:20**
